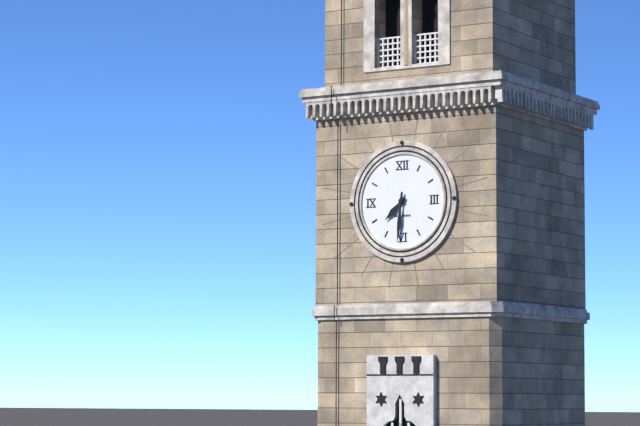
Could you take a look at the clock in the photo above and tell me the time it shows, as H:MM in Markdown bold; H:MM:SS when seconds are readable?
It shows **7:31**
